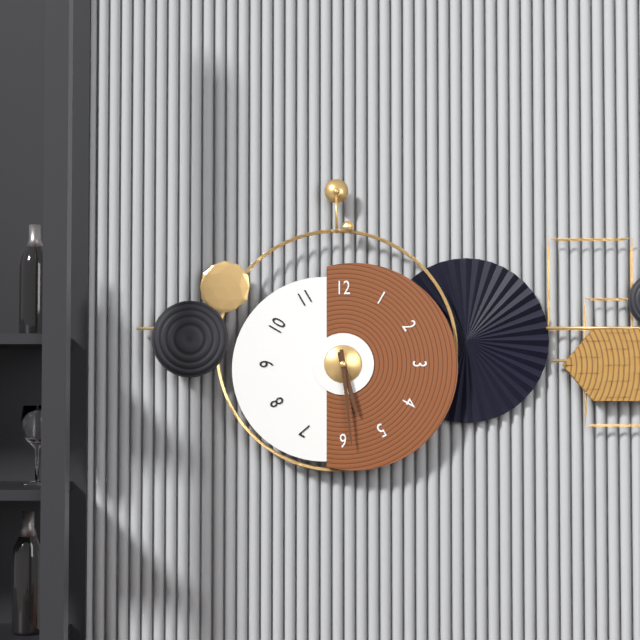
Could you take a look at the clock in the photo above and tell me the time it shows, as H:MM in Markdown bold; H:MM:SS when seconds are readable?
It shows **5:29**
